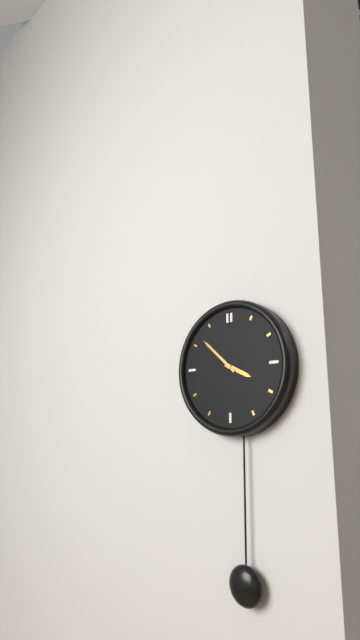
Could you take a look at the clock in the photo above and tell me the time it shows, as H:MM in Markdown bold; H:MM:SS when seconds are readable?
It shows **3:52**
